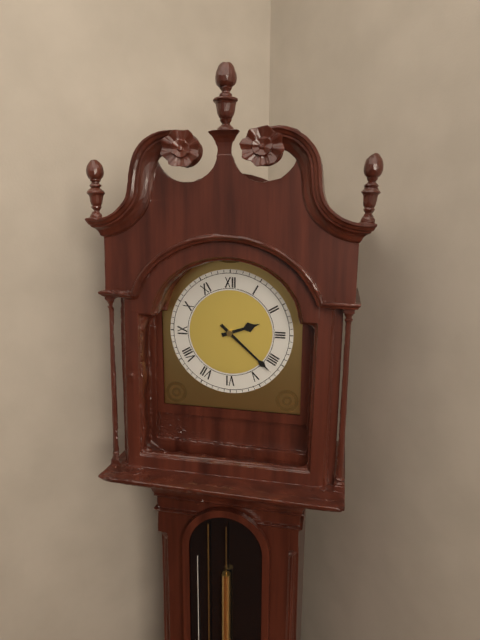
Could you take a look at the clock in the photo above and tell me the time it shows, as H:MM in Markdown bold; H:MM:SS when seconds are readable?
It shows **2:22**
